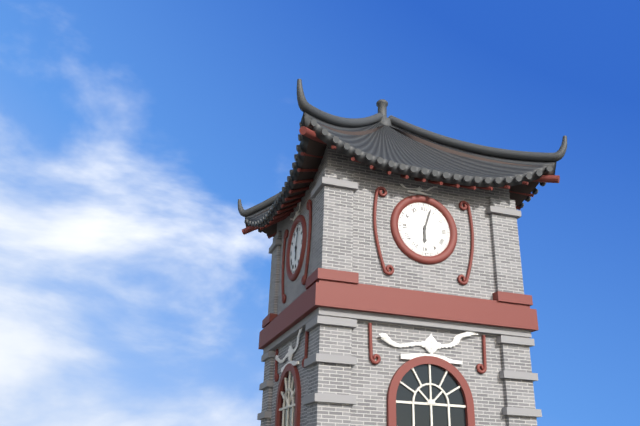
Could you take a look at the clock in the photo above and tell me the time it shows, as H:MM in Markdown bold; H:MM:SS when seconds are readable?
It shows **6:03**
